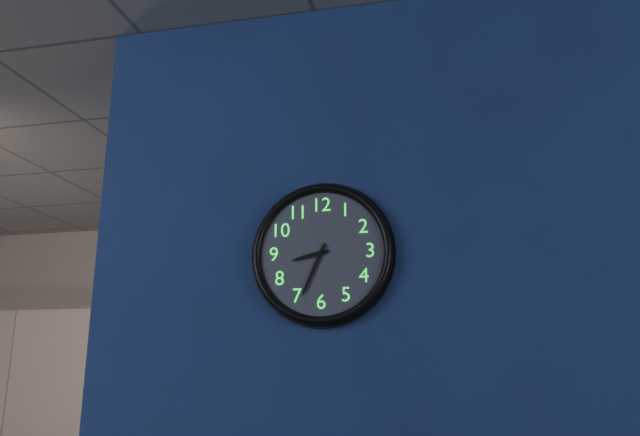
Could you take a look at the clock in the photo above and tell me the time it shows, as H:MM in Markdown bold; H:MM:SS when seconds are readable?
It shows **8:34**
